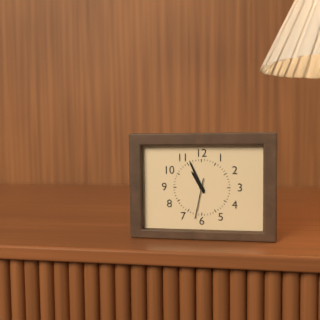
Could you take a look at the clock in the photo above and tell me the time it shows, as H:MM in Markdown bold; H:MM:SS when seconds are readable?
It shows **10:56**
